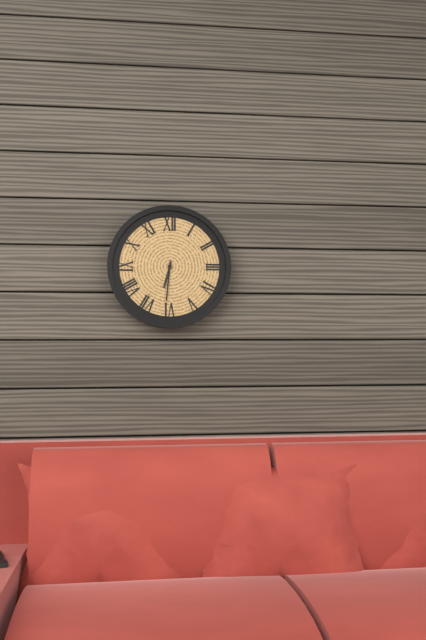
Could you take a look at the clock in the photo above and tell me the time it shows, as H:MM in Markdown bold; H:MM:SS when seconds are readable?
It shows **6:31**
